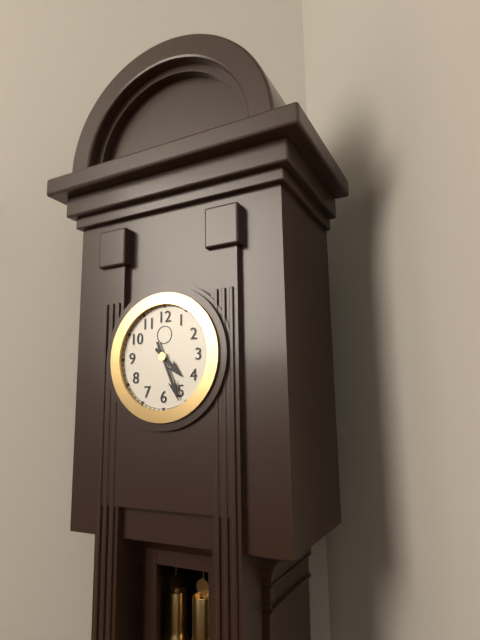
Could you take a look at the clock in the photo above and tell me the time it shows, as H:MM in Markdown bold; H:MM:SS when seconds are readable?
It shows **4:26**
